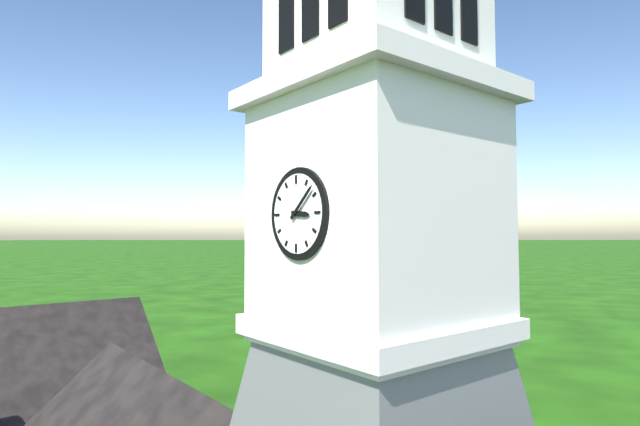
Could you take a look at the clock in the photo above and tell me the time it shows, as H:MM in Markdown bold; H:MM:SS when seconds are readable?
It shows **3:08**
